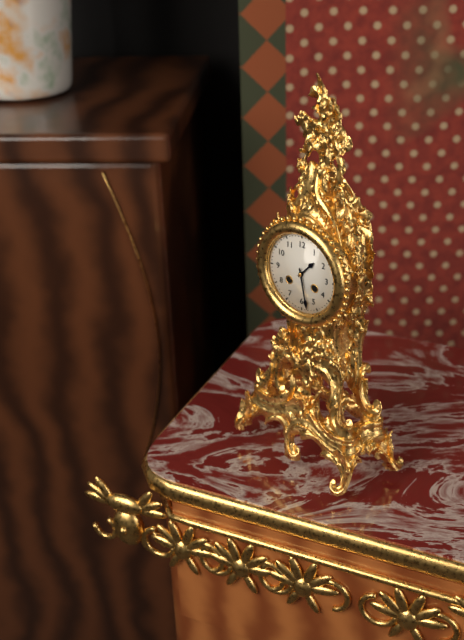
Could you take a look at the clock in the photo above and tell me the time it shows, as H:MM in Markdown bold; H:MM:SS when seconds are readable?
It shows **1:28**
